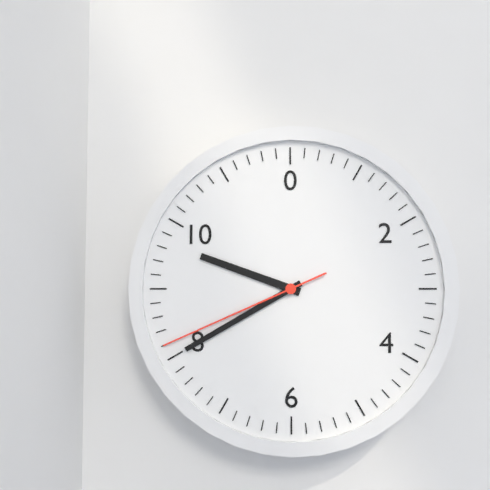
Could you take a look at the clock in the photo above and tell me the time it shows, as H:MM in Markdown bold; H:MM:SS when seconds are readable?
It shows **9:40:41**
